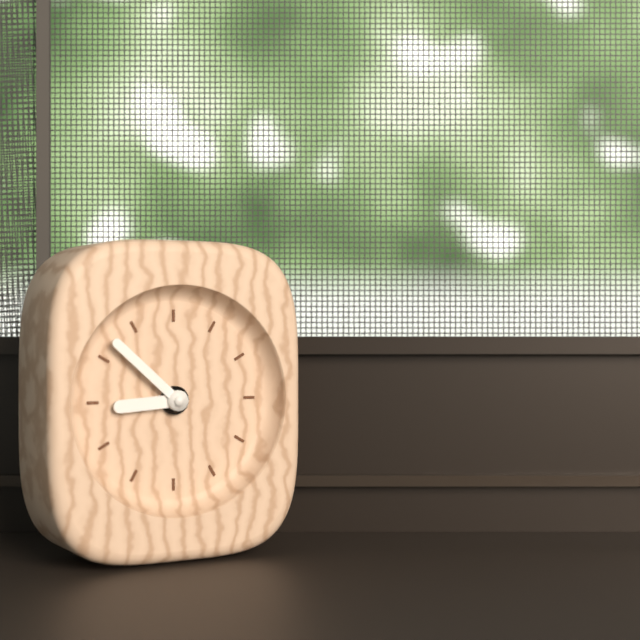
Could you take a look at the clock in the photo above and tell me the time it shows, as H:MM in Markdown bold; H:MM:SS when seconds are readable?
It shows **8:52**
